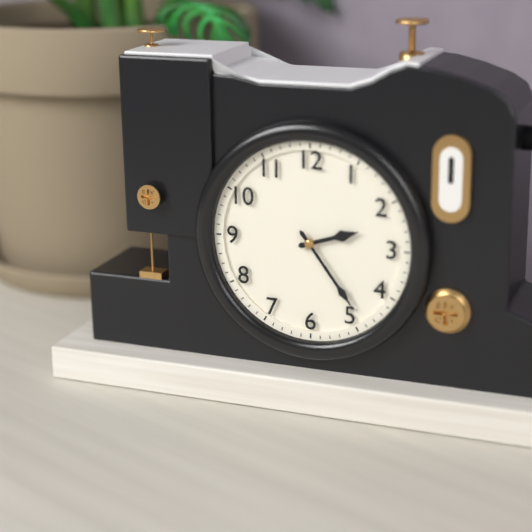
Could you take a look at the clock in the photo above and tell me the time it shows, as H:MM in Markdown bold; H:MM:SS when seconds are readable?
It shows **2:24**
